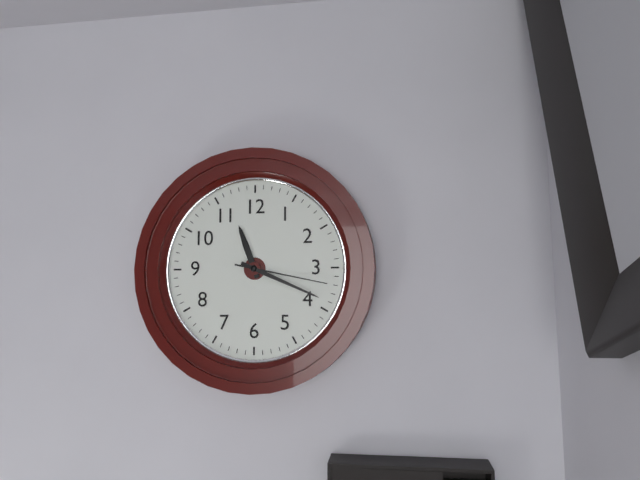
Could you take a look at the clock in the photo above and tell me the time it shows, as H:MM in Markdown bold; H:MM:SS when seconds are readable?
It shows **11:19:17**
